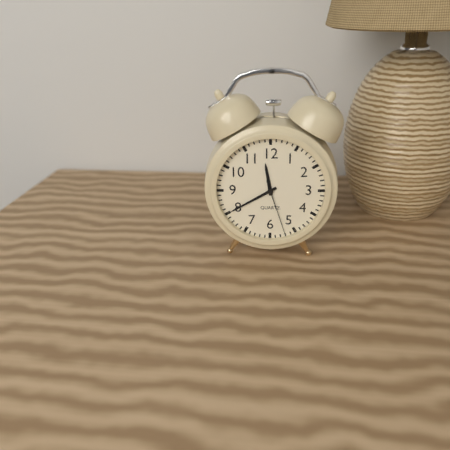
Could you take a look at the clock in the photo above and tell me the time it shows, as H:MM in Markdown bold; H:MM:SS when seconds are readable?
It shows **11:40:27**
